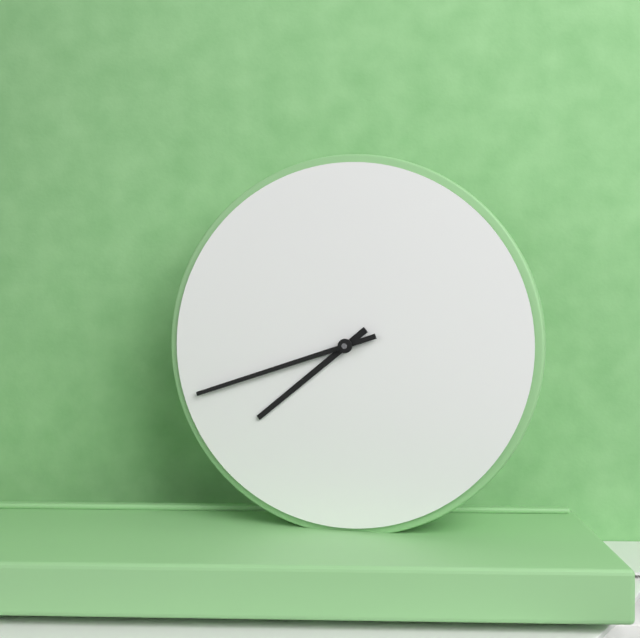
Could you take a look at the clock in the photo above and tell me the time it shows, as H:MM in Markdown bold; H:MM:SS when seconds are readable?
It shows **7:42**
